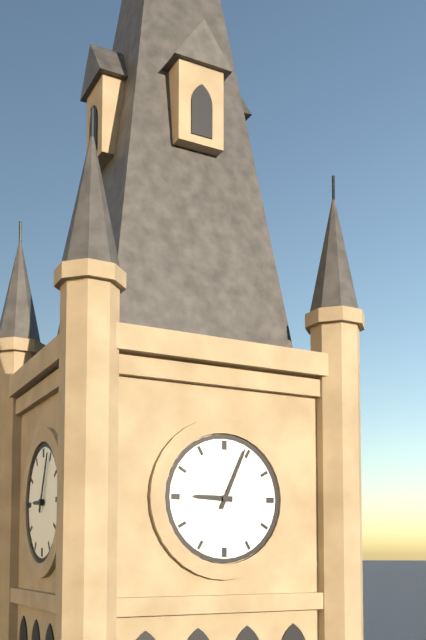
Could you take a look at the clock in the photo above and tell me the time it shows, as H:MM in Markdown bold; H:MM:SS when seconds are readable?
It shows **9:04**
